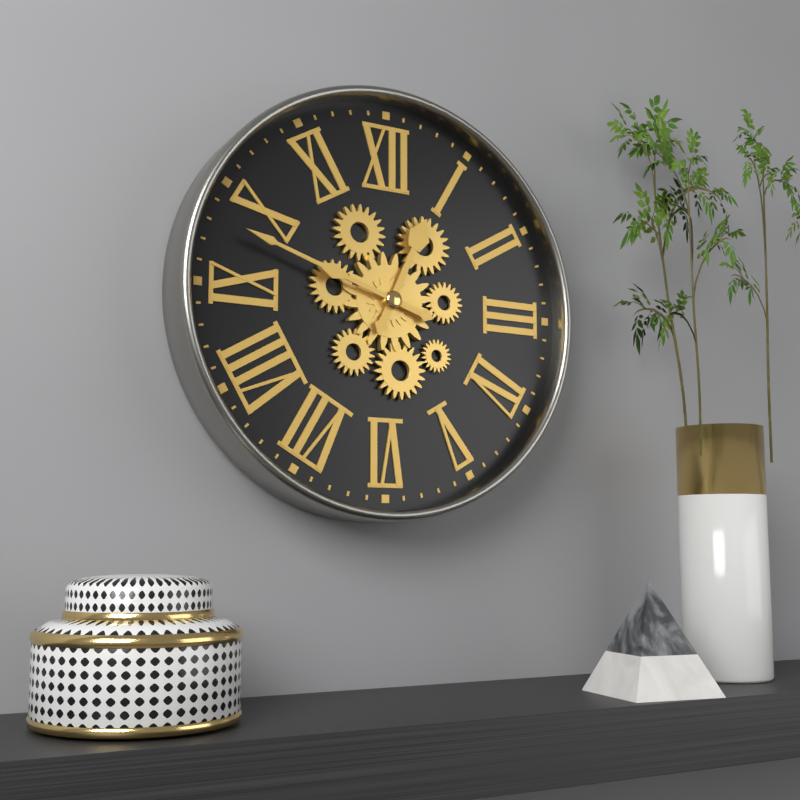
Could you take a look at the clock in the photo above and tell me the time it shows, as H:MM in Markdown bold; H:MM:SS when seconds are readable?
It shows **12:48**
